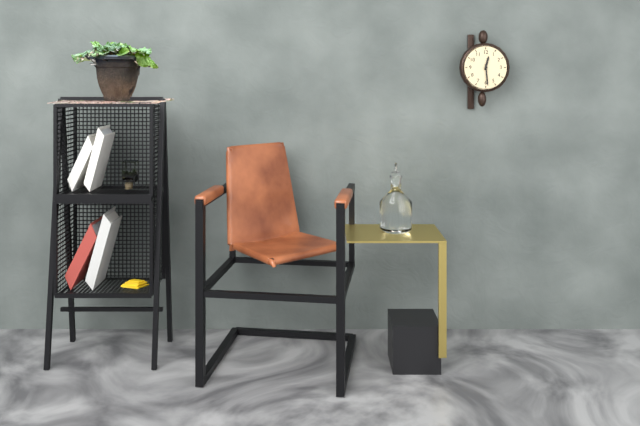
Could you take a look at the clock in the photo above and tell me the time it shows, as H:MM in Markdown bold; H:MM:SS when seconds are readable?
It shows **12:29**
